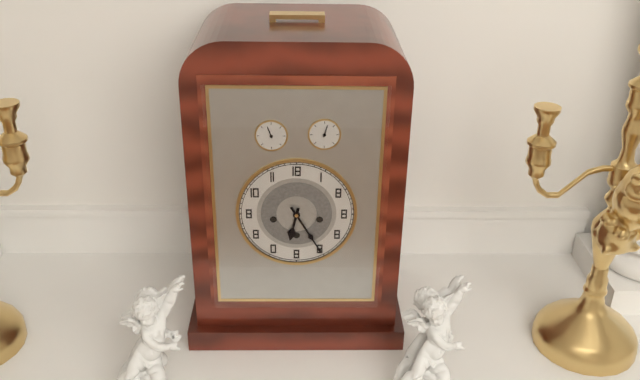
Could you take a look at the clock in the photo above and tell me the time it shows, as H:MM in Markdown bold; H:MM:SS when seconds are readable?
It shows **6:25**
